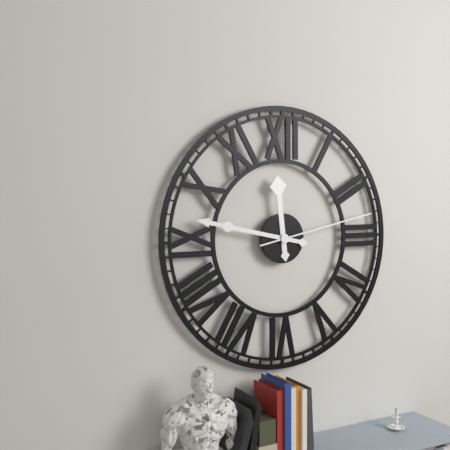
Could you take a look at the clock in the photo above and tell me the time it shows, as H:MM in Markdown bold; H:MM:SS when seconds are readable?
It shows **11:47:13**
